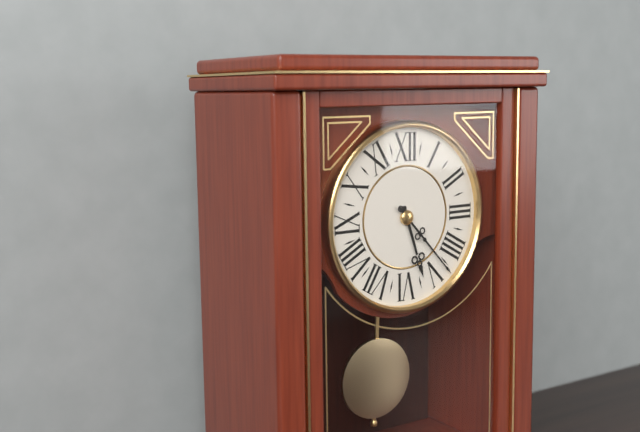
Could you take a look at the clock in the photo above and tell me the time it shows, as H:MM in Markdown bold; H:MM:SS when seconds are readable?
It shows **5:23**
